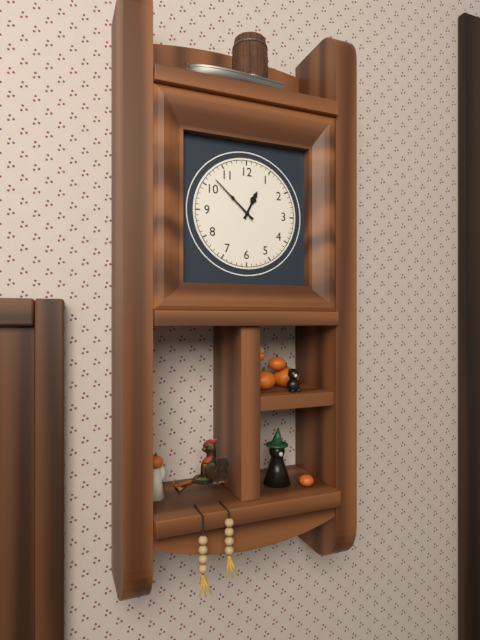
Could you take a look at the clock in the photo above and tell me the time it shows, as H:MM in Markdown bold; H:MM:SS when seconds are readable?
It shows **12:52**
